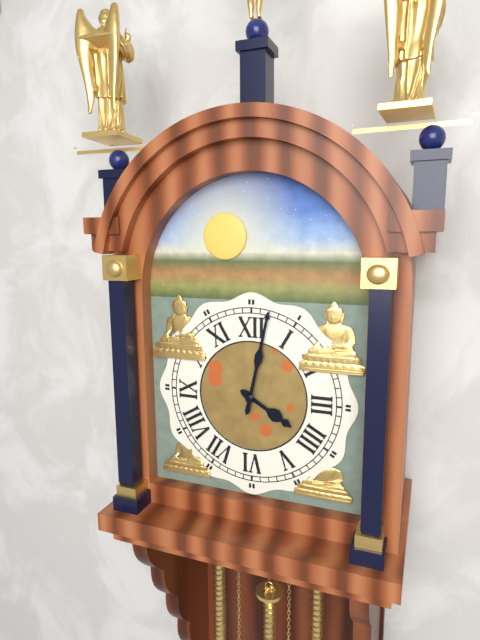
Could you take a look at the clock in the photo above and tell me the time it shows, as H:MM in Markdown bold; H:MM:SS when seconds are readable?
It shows **4:02**
